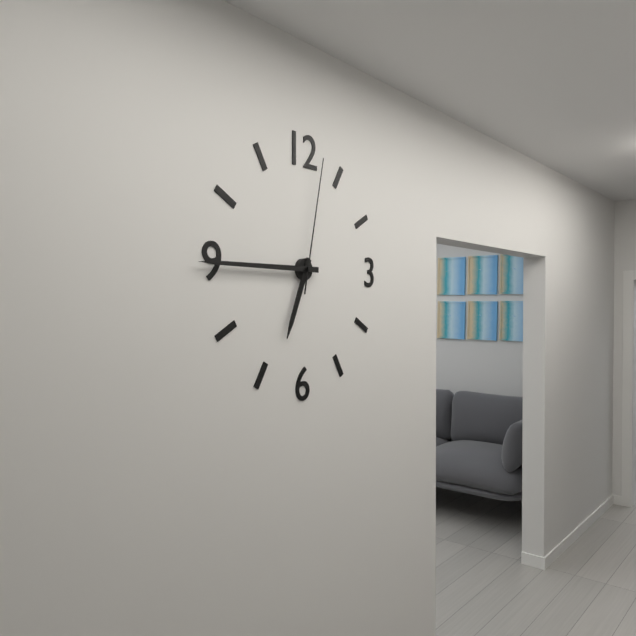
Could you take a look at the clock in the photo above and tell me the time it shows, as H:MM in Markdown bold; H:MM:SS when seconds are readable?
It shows **6:45:02**
